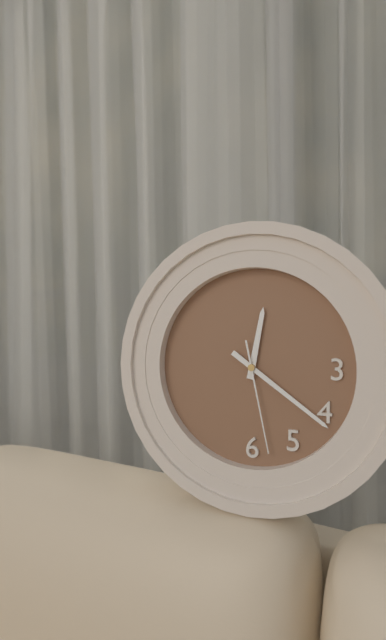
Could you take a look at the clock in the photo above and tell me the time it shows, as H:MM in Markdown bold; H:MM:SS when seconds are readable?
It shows **12:21:28**
